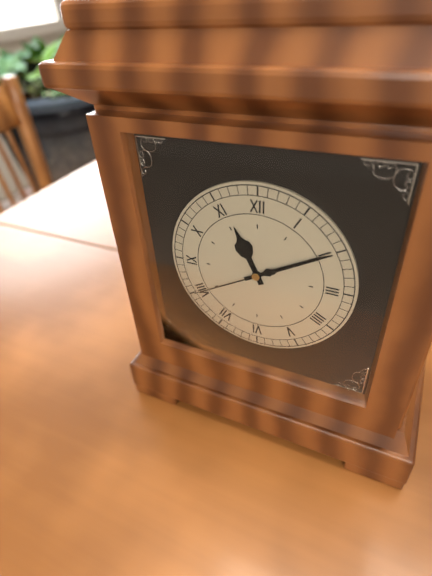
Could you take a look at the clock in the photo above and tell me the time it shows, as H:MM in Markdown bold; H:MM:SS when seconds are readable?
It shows **11:10:40**
